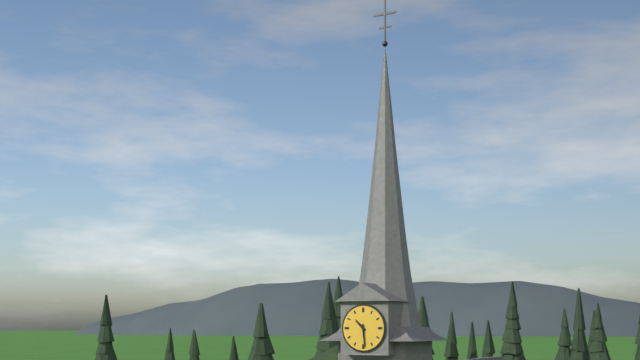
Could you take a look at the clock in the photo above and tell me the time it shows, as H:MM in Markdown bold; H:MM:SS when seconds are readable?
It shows **10:29**
